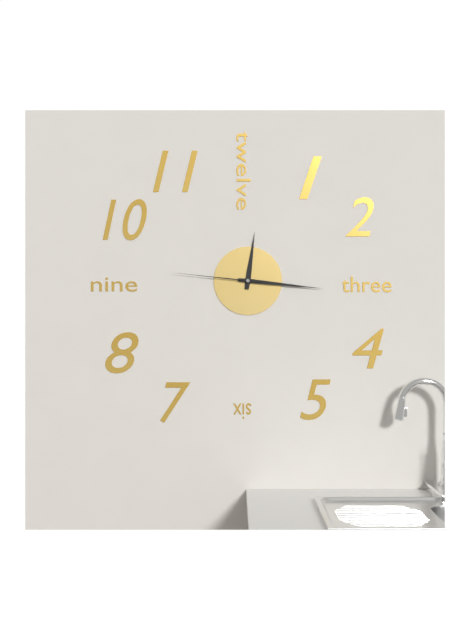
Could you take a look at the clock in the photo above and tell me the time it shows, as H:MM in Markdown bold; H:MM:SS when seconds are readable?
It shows **12:16:46**
